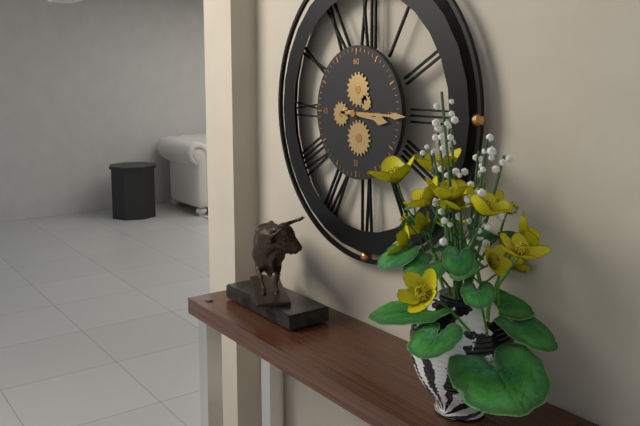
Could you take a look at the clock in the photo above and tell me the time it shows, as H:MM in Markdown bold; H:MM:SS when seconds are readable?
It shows **3:15**
